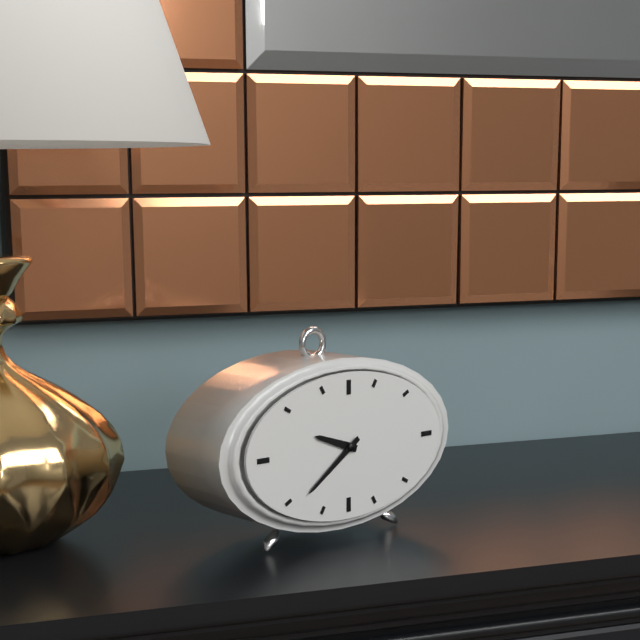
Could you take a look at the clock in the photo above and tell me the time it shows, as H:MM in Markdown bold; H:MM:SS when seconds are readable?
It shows **9:39**
